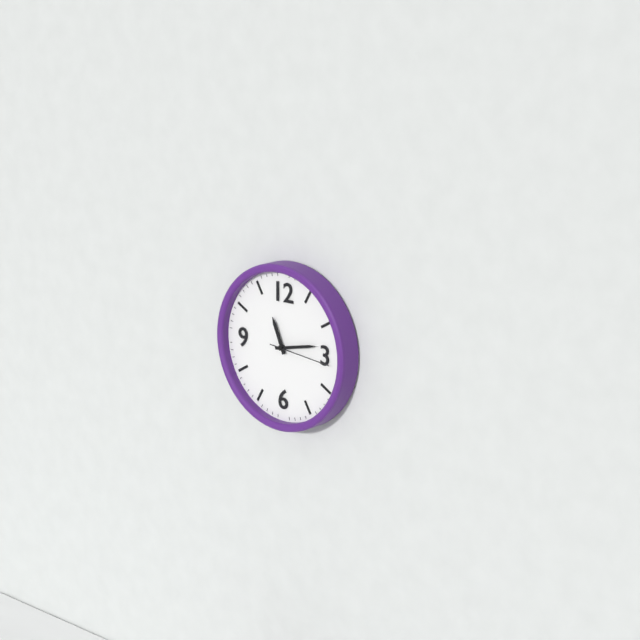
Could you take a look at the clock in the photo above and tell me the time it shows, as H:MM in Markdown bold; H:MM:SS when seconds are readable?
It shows **11:13:16**
